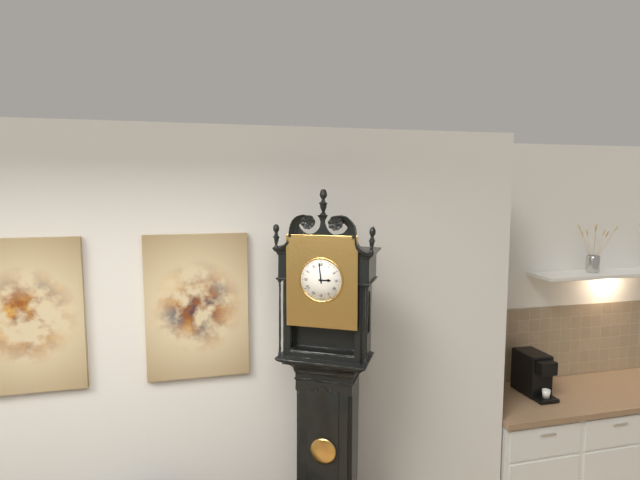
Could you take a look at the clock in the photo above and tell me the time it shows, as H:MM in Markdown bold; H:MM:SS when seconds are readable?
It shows **2:59**
